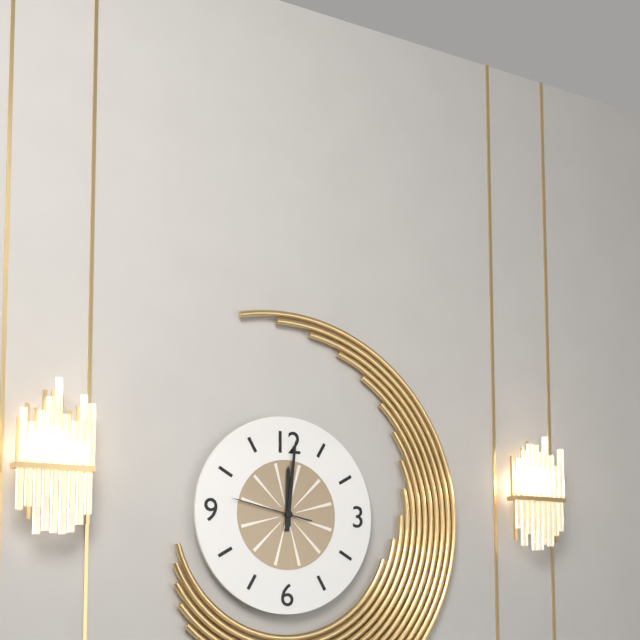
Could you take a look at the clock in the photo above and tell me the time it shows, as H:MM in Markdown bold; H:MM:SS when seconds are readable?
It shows **12:01:47**
